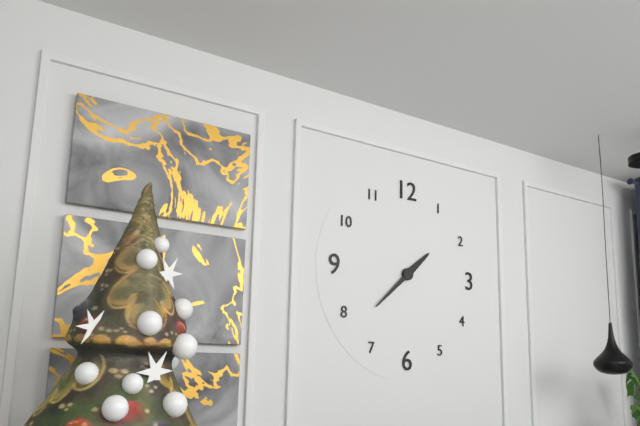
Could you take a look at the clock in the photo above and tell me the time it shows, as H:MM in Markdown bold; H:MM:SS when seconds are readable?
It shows **1:38**
